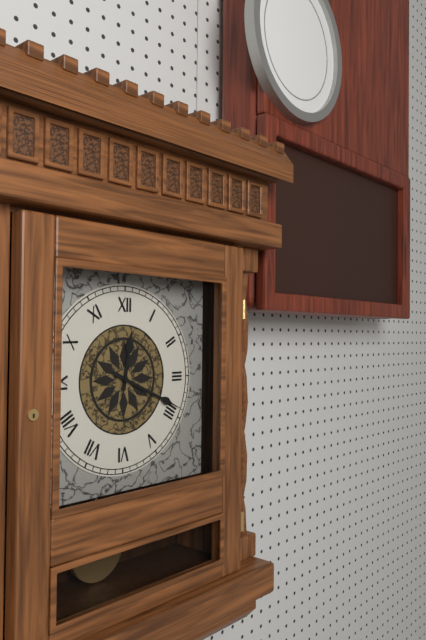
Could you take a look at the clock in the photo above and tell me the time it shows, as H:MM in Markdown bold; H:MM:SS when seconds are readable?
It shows **12:19**
